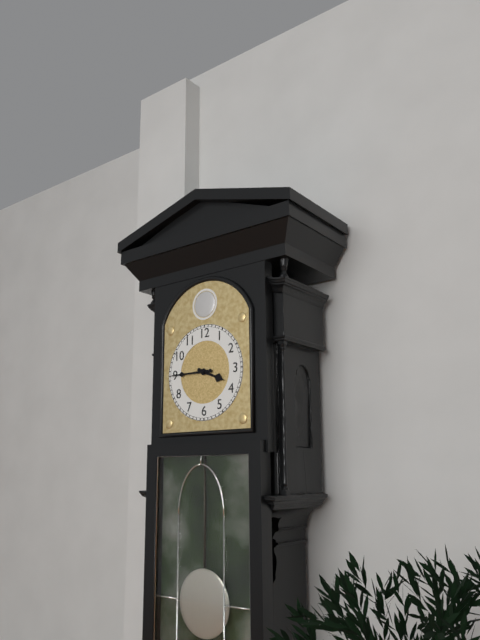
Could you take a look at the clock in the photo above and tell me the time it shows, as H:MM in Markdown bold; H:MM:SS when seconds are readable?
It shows **3:45**
